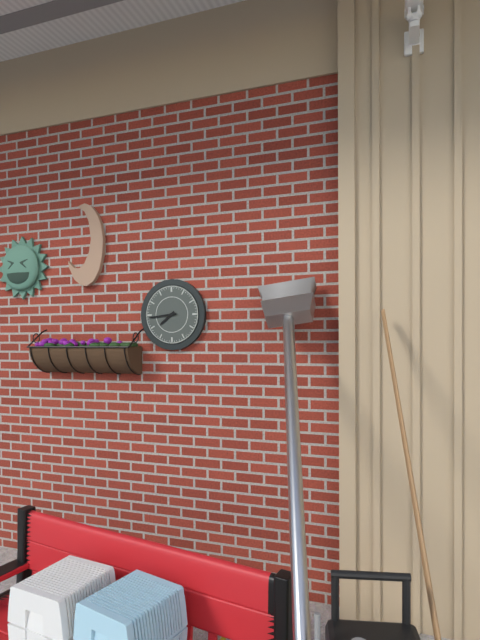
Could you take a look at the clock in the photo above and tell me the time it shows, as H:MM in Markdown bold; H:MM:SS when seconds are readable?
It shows **7:44**
